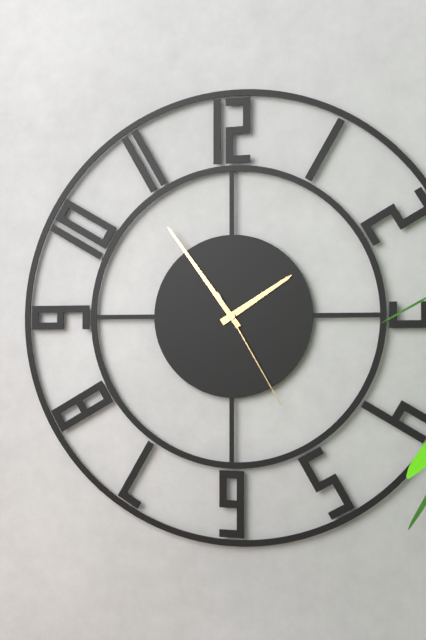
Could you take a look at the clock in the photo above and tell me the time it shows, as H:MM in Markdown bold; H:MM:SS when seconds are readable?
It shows **1:54:25**
